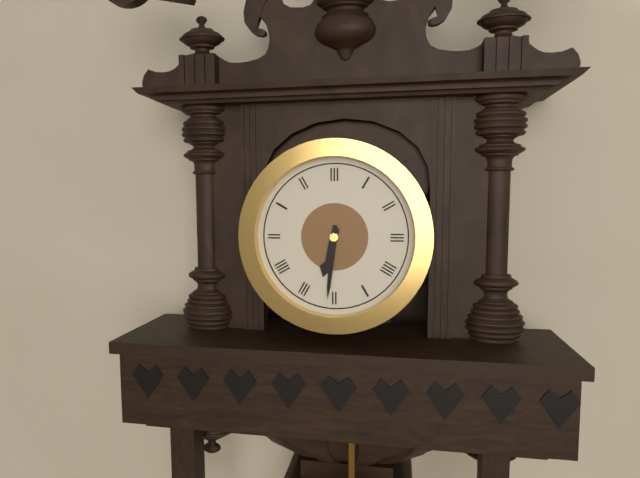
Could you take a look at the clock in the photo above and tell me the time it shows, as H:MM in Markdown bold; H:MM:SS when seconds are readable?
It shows **6:31**
